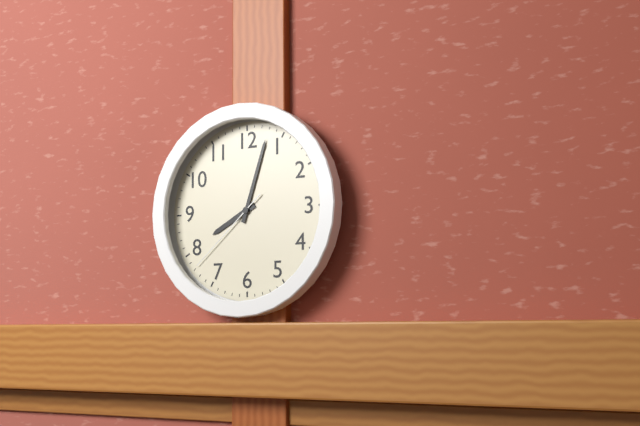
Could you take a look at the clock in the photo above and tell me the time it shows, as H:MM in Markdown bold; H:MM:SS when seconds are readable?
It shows **8:03:38**
